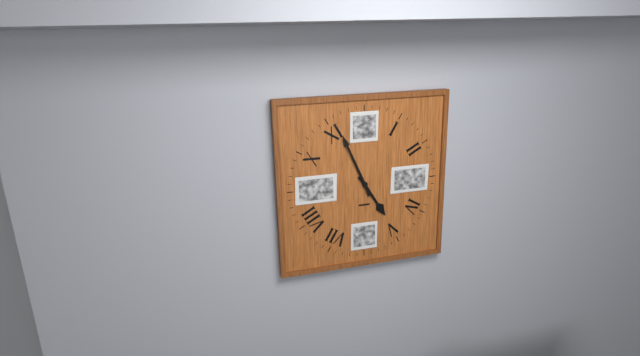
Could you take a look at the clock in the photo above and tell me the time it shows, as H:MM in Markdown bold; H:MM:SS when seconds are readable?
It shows **4:56**
